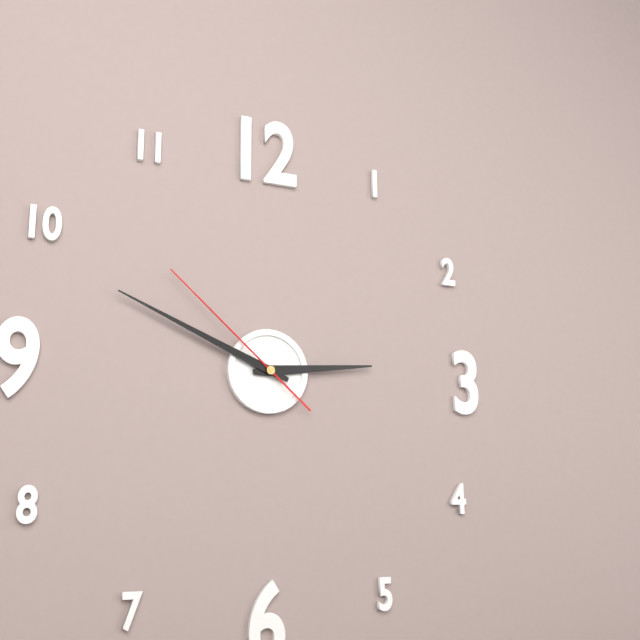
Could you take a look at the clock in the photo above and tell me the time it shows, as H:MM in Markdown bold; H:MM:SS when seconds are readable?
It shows **2:49:52**
